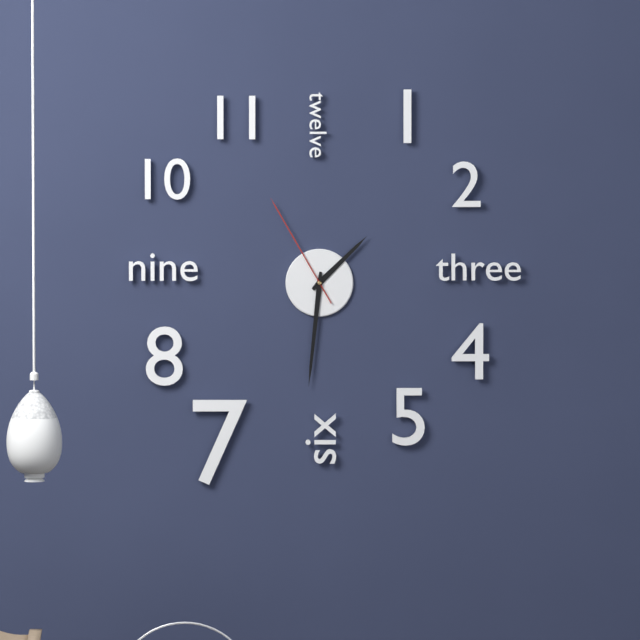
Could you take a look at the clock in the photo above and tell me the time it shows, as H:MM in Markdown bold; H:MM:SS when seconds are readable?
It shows **1:31:55**
